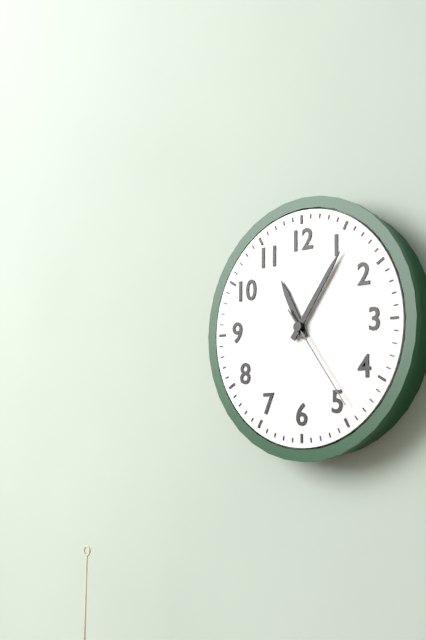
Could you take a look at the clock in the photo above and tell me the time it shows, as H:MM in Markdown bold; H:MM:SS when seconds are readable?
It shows **11:06:24**
